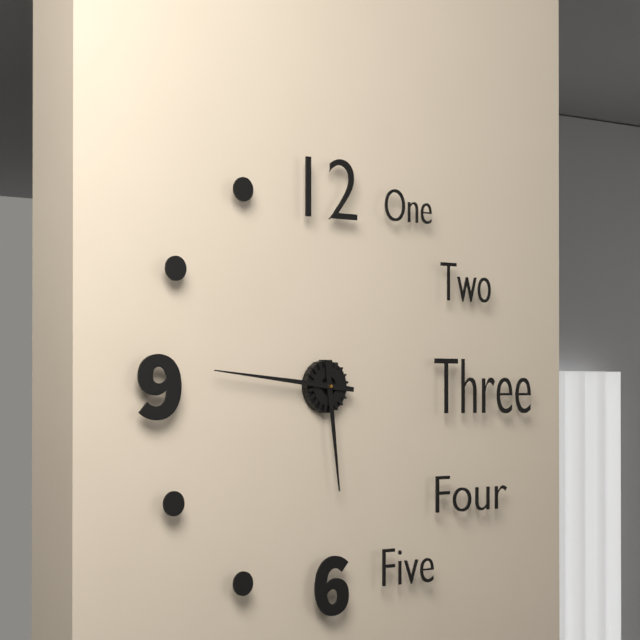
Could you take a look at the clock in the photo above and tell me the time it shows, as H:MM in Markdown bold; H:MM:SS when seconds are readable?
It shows **5:46**
